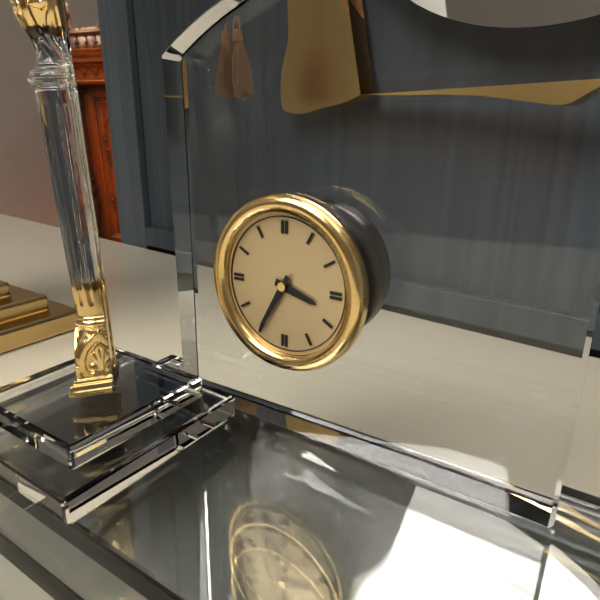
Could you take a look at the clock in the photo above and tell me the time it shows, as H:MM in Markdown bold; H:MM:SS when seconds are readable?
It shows **3:35**
